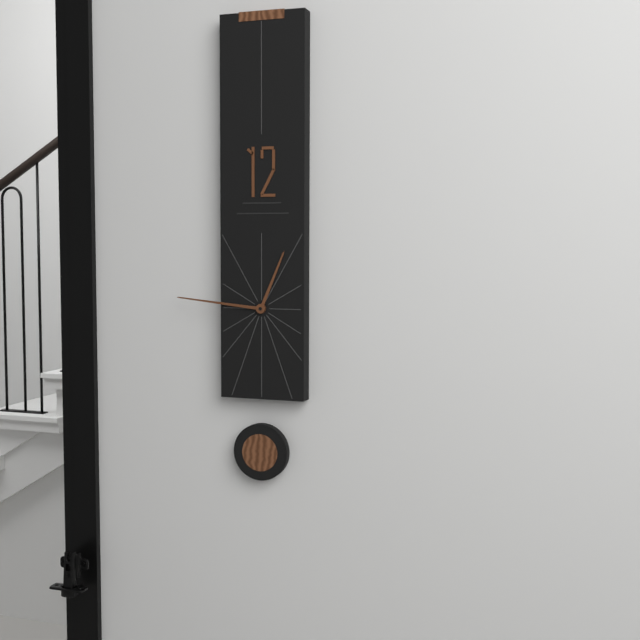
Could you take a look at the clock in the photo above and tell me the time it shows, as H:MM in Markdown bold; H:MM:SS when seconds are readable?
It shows **12:46**
